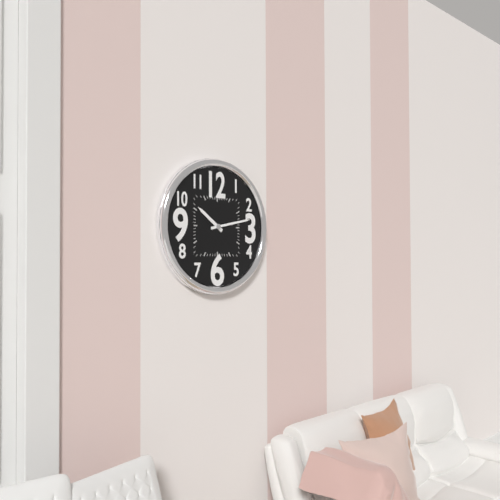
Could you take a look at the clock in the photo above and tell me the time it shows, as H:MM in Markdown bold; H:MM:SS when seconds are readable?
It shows **10:13**
